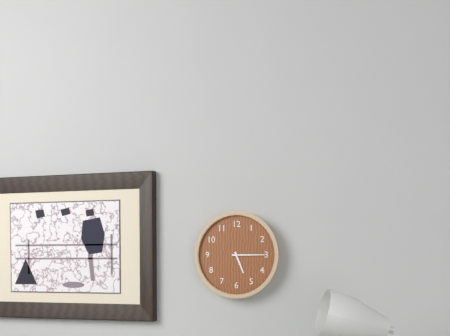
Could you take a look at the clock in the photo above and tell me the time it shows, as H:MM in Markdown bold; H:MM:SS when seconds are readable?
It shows **5:15**
